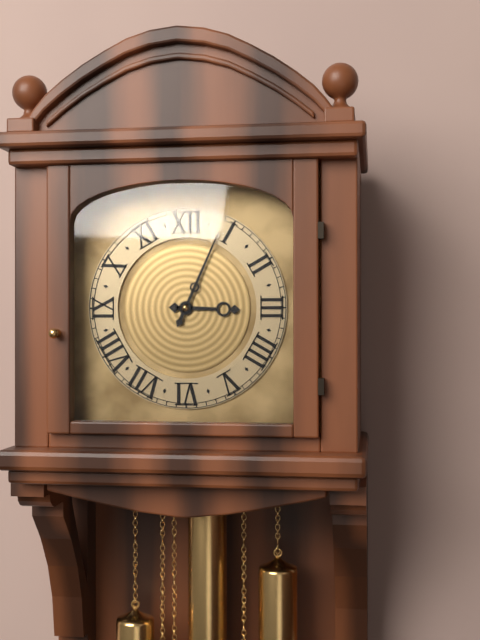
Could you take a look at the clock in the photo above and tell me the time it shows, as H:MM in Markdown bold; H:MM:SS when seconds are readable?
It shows **3:04**
